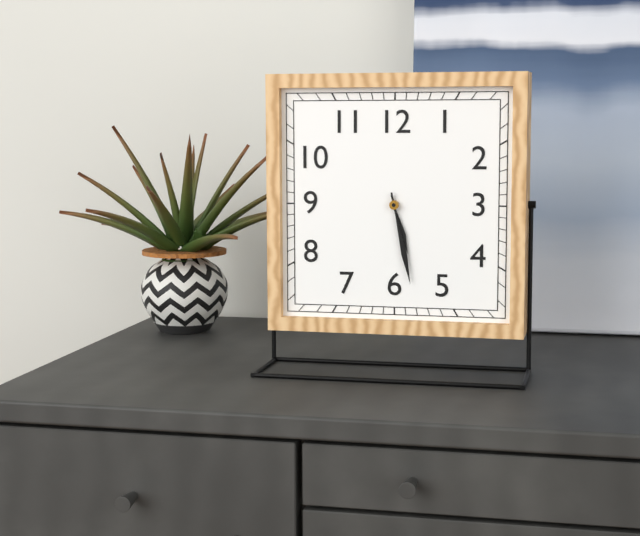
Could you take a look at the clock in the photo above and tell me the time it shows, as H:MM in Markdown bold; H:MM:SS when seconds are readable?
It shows **5:28**
